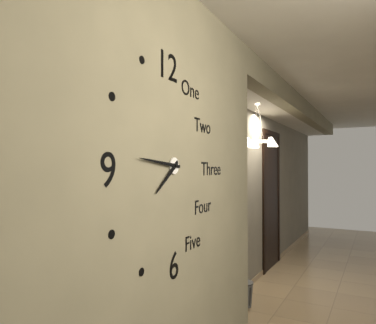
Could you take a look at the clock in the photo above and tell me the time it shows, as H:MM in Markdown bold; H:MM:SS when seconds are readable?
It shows **7:46**
